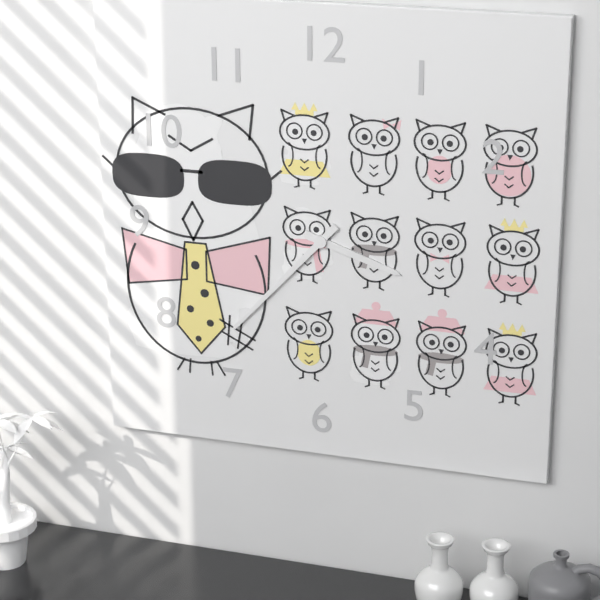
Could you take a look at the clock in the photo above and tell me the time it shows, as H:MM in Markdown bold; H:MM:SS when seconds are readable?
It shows **3:37**
